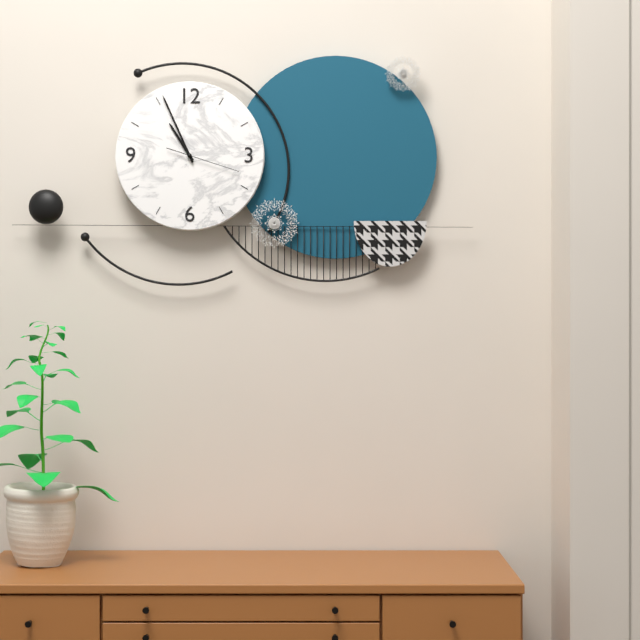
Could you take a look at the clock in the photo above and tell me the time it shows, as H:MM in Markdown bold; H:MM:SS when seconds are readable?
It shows **10:56:18**
